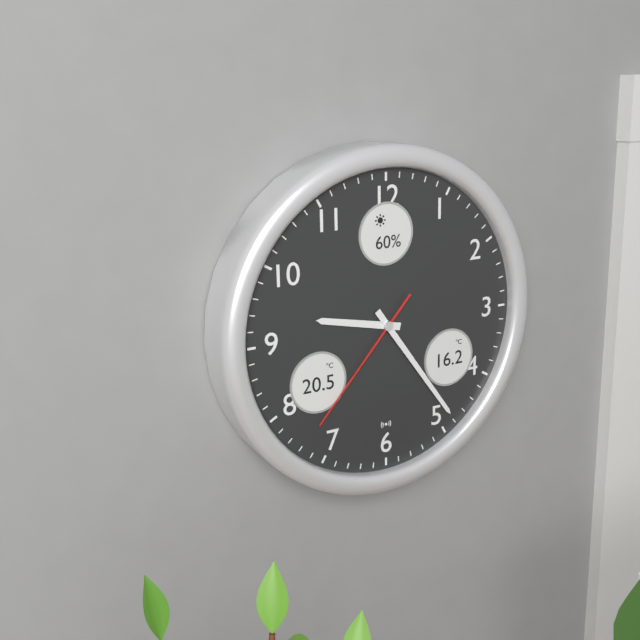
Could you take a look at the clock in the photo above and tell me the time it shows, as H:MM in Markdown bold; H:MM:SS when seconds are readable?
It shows **9:24:37**
